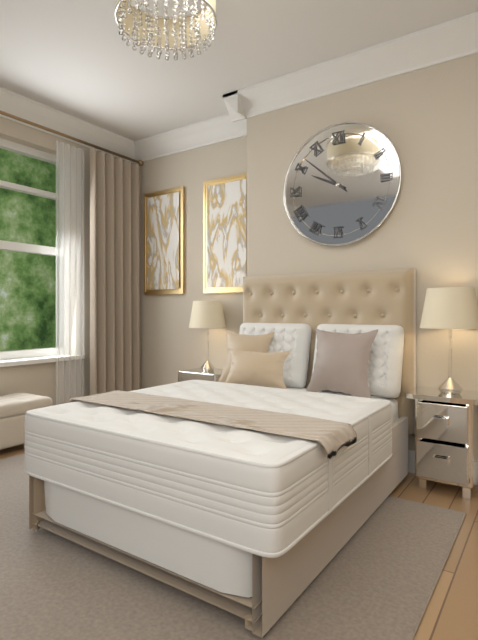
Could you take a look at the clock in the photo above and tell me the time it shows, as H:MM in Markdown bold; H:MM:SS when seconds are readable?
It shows **9:52**
